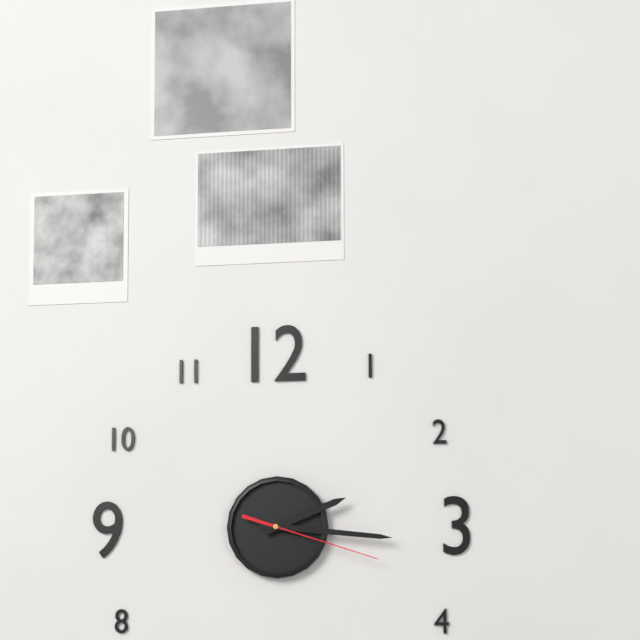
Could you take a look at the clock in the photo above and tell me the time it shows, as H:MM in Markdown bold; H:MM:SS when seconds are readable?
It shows **2:16:18**
